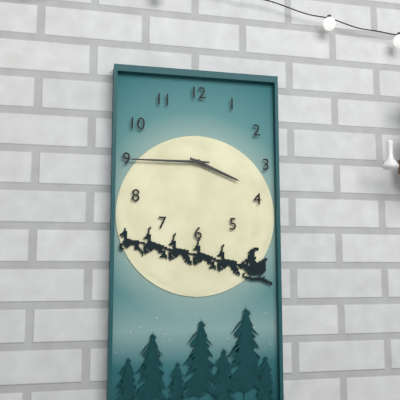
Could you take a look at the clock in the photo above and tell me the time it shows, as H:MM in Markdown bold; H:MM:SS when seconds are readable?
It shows **3:45**
